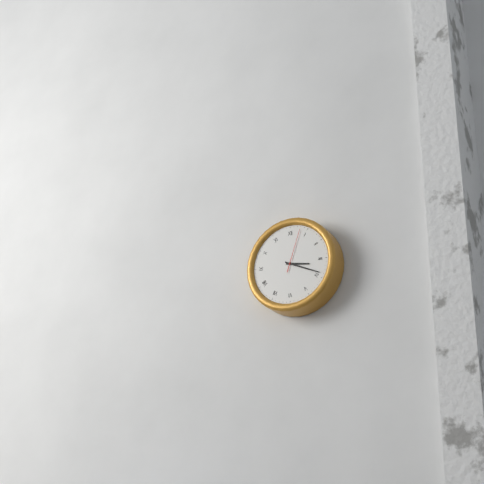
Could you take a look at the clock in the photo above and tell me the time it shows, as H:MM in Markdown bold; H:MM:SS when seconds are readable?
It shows **3:19**
